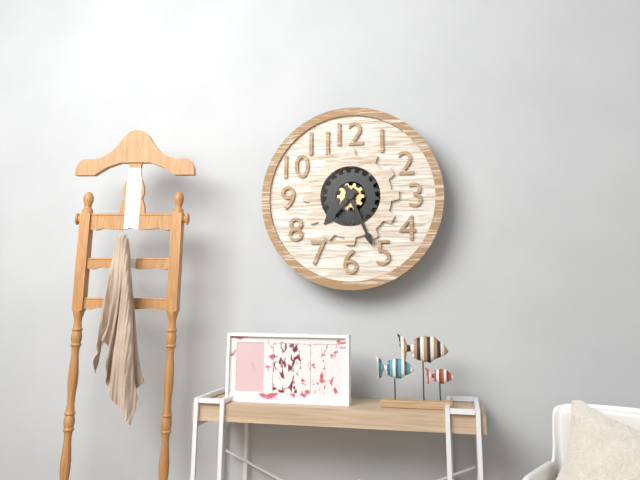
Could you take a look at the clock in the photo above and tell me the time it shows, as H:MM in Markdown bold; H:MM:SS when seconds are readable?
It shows **7:26**
